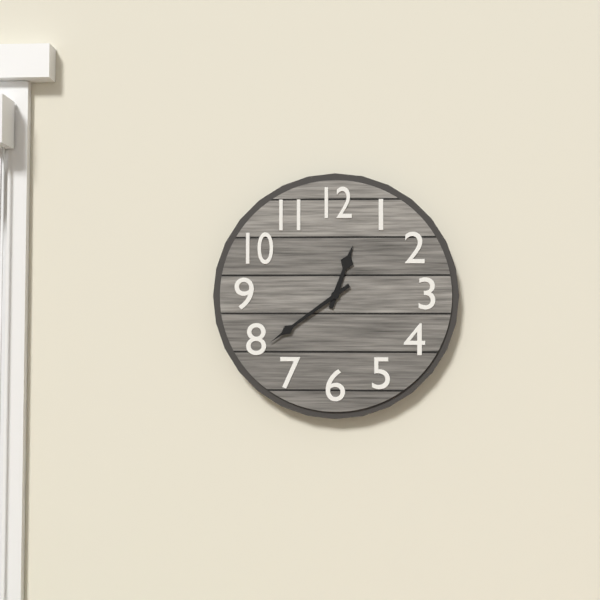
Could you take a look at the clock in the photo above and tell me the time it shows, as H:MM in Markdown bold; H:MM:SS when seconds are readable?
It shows **12:39**
